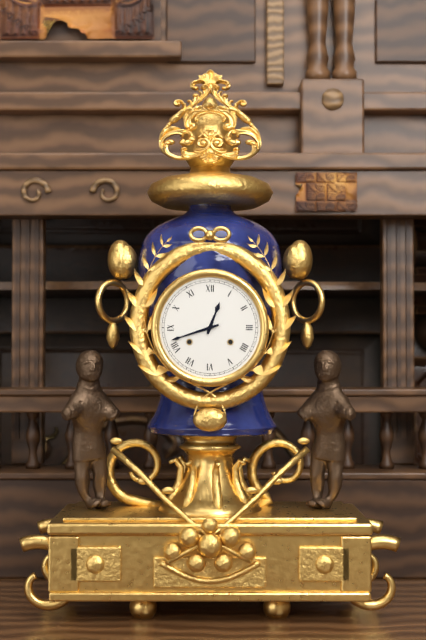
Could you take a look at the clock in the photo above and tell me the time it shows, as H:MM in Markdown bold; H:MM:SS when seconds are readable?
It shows **12:42**
